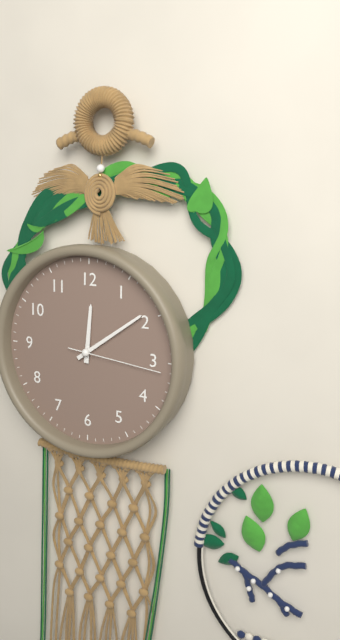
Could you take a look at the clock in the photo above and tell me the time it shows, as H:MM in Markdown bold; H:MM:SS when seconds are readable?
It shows **12:09:16**
